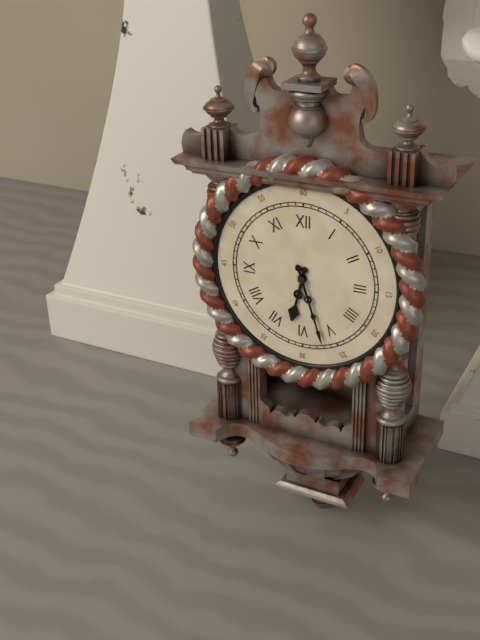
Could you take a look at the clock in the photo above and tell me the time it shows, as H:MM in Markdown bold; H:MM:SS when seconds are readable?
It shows **6:27**
